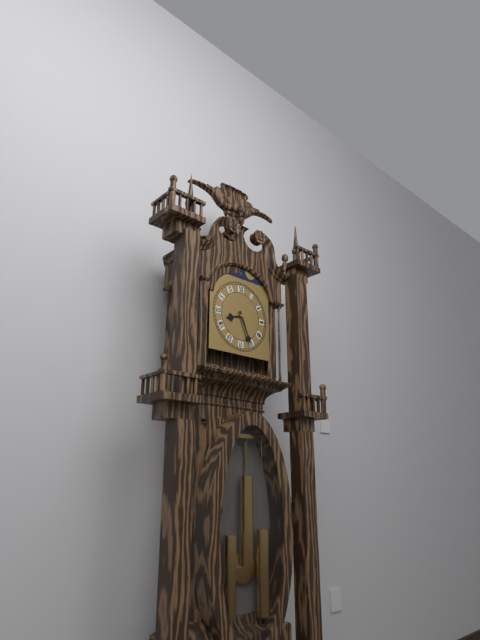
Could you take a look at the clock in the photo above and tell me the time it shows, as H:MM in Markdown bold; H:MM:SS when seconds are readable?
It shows **8:26**
